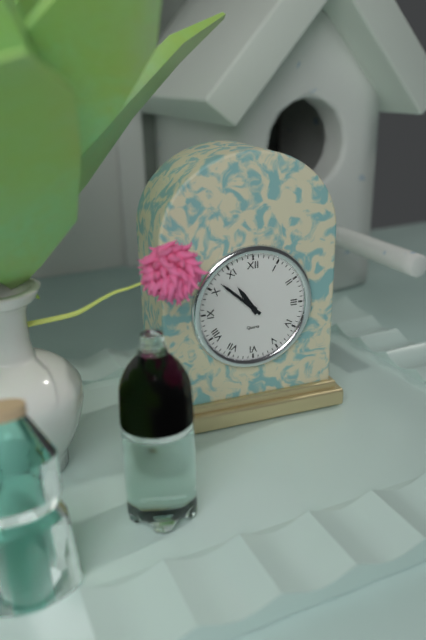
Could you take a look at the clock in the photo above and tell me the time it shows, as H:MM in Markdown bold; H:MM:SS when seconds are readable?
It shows **10:52**
